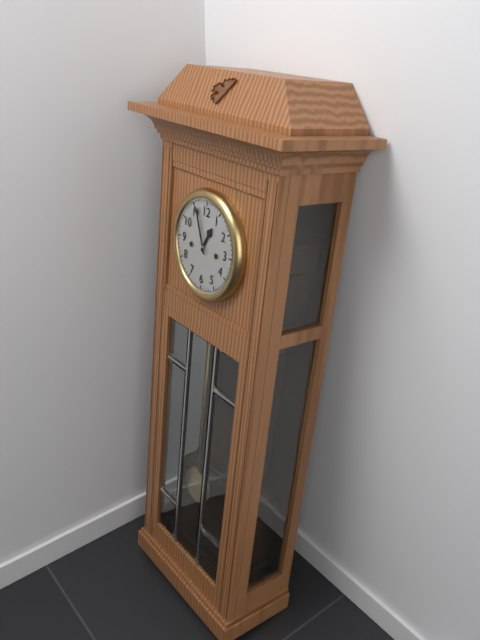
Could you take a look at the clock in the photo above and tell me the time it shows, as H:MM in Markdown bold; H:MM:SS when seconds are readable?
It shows **12:56**
